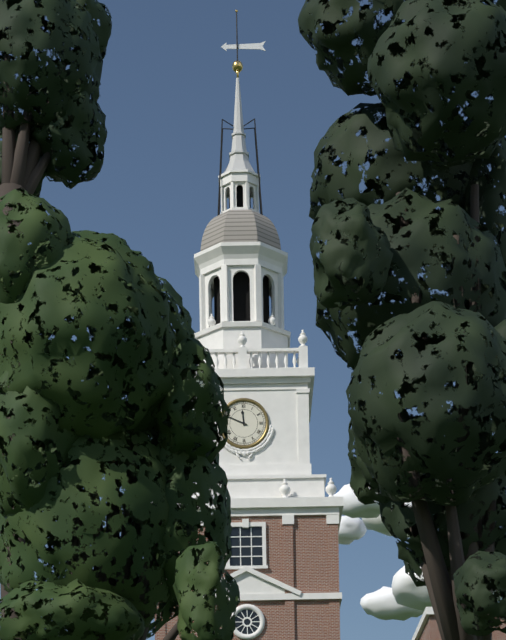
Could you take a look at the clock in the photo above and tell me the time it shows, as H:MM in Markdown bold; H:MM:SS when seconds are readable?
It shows **11:49**
